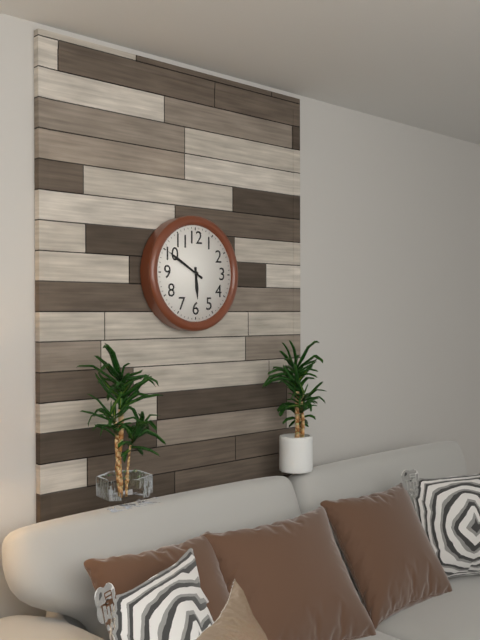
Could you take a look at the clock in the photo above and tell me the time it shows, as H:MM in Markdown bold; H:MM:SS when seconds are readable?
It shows **5:50**
